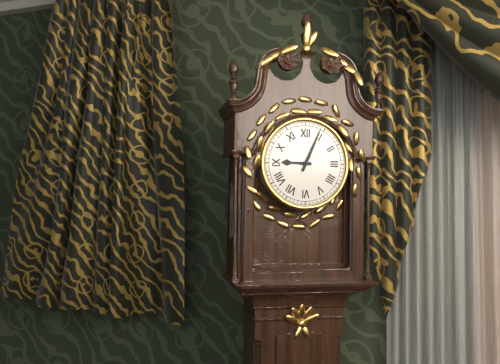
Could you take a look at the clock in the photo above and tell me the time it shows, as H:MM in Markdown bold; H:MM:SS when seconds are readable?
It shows **9:04**
